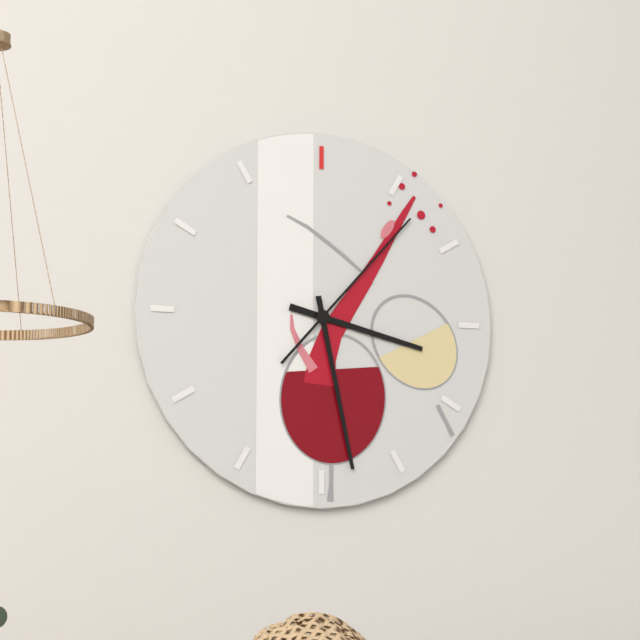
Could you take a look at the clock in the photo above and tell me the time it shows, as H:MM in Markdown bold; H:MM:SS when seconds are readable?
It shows **3:28:07**
